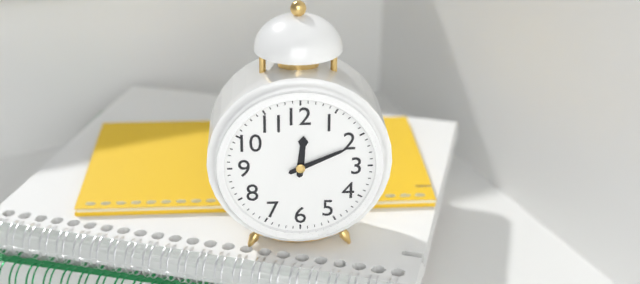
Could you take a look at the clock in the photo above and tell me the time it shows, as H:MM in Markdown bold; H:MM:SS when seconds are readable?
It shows **12:11**
